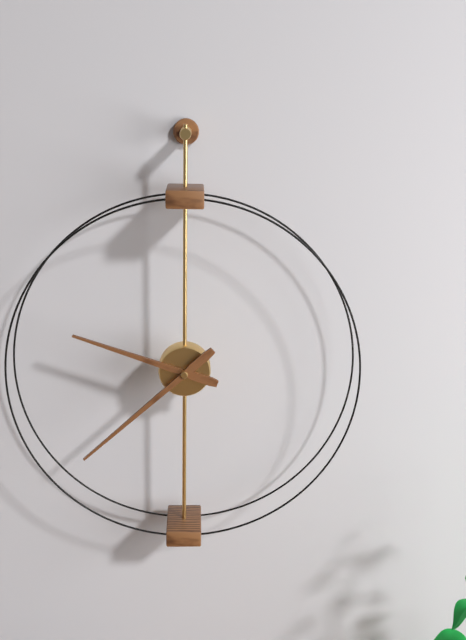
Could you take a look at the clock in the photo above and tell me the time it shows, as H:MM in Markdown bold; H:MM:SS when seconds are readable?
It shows **9:38**
